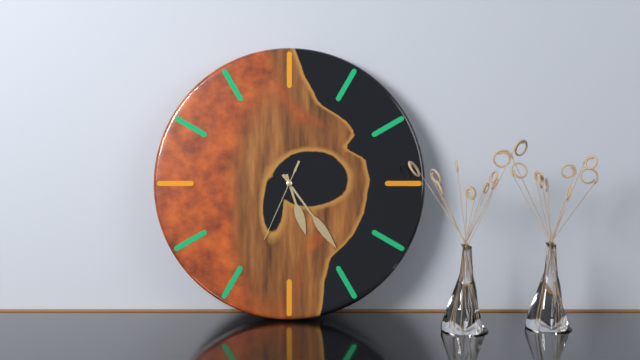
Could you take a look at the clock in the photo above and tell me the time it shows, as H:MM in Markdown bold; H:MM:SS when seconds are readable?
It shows **5:24:34**
